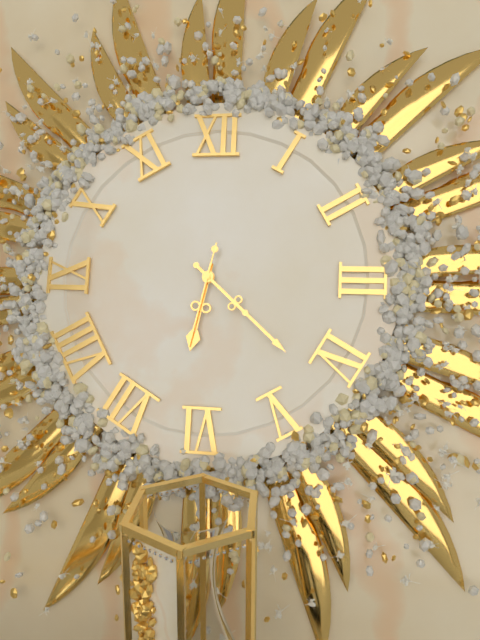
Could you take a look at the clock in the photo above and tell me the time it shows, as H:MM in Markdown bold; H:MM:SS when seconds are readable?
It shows **6:22:32**
